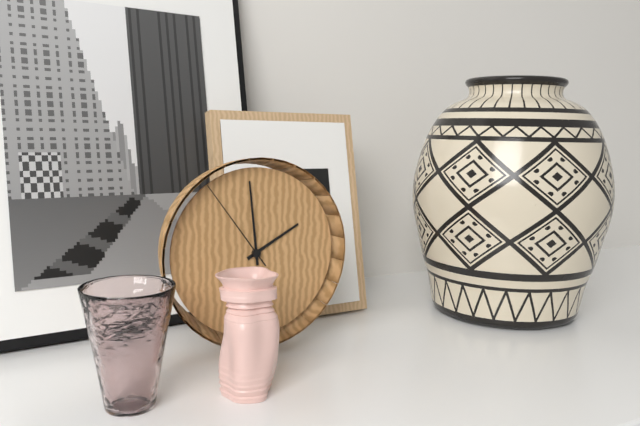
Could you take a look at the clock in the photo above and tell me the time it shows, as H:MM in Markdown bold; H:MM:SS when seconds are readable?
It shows **1:59:54**
